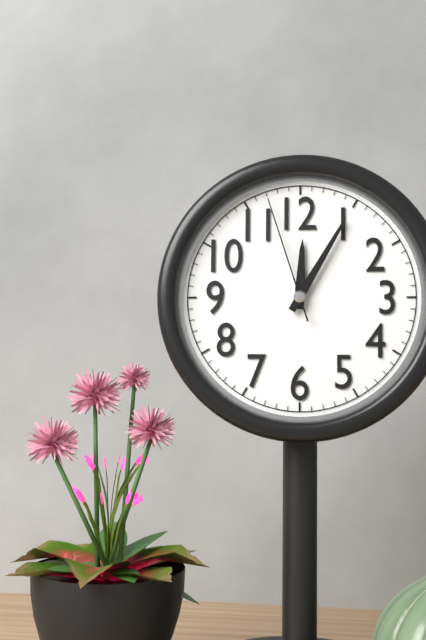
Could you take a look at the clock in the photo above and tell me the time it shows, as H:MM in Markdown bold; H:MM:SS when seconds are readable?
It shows **12:05:57**
